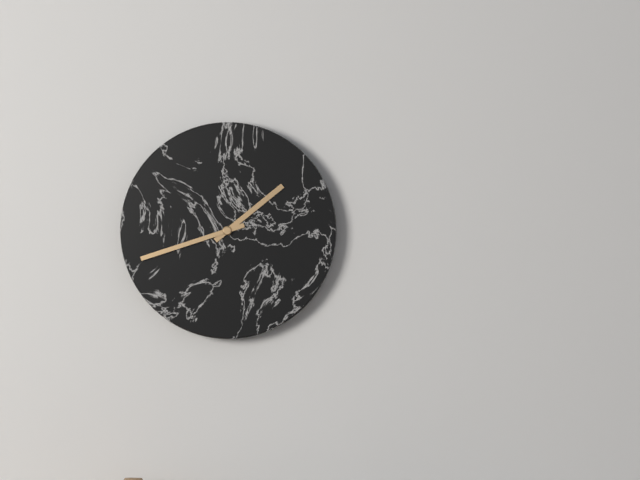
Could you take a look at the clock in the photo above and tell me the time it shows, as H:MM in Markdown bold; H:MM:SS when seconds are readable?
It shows **1:42**
